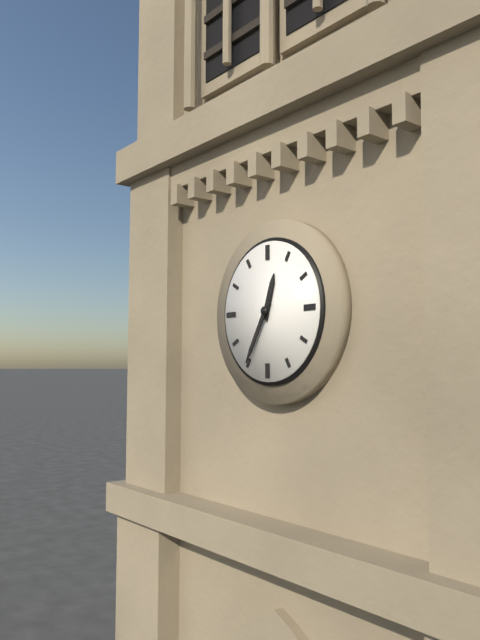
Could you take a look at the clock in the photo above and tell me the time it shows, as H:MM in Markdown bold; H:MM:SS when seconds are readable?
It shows **12:35**
